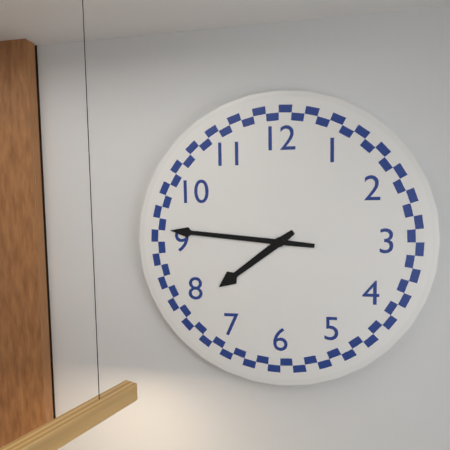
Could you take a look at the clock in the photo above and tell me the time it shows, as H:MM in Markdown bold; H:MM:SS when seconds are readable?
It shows **7:46**
